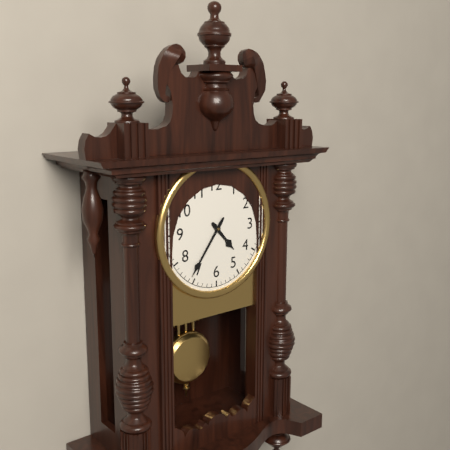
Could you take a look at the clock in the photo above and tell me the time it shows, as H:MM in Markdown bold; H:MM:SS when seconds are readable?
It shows **4:36**
